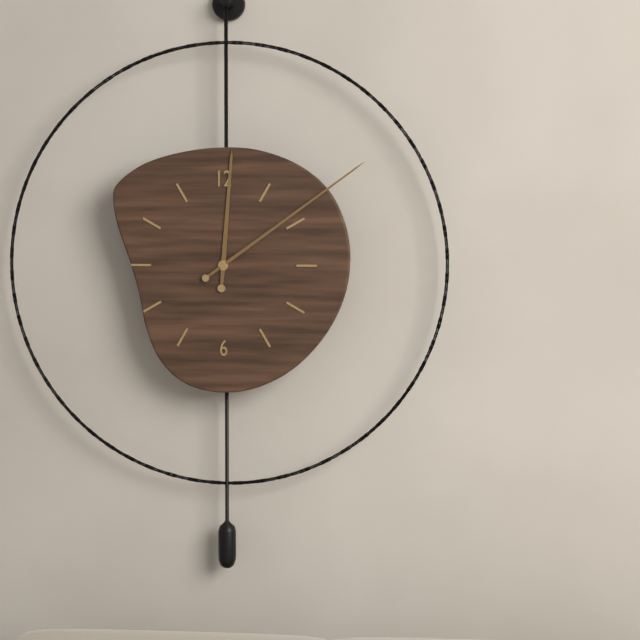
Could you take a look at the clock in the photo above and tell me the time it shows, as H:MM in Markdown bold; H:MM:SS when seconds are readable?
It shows **12:09**
